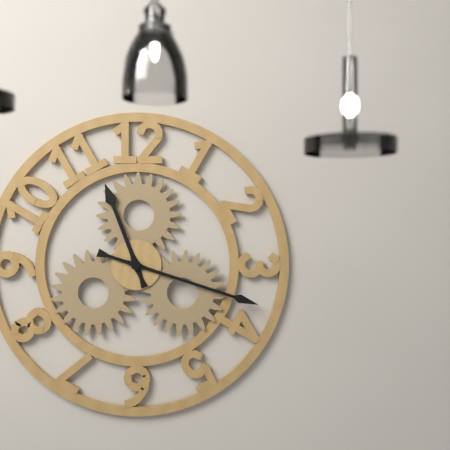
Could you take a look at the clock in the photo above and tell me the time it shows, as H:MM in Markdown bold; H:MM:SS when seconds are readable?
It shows **11:18**
